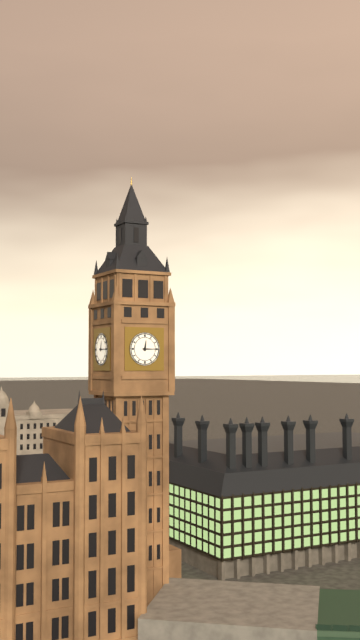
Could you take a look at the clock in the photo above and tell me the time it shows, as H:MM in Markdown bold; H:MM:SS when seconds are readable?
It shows **12:15**
